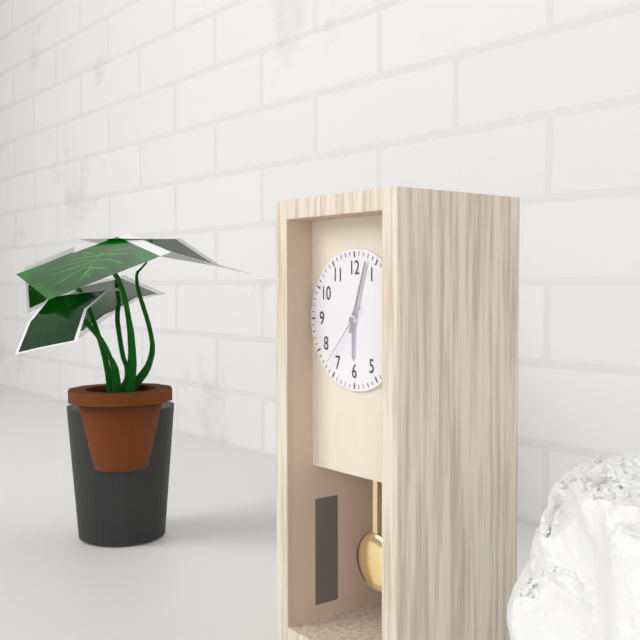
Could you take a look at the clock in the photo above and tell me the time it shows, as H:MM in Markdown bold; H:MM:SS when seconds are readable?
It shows **6:03:37**
